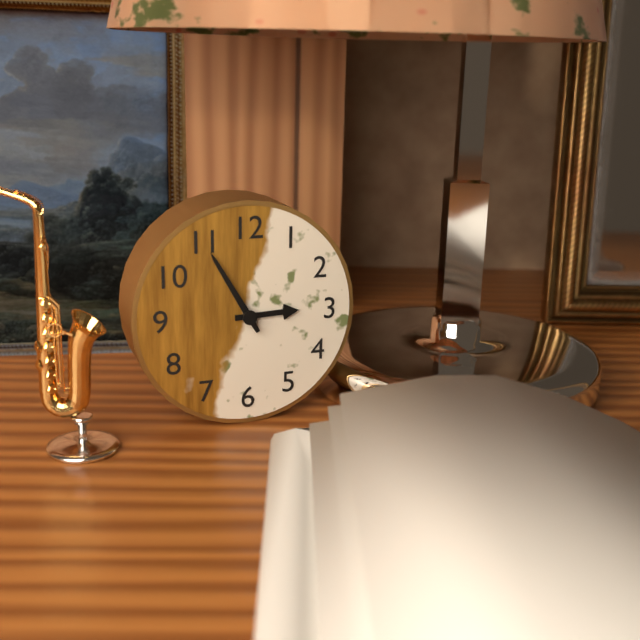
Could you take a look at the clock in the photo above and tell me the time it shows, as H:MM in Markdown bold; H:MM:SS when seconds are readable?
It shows **2:55**
